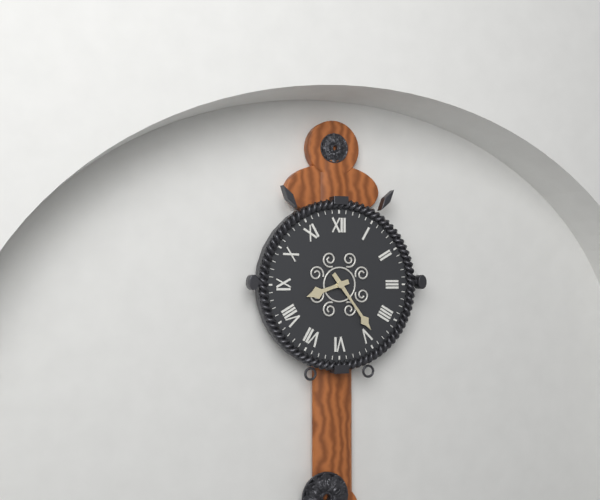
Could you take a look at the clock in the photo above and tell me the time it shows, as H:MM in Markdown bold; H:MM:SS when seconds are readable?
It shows **8:24**
